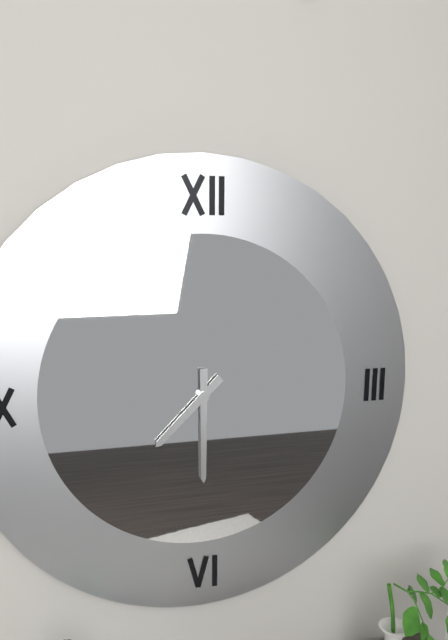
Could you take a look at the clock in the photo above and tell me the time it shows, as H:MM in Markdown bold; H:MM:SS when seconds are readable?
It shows **7:30**
